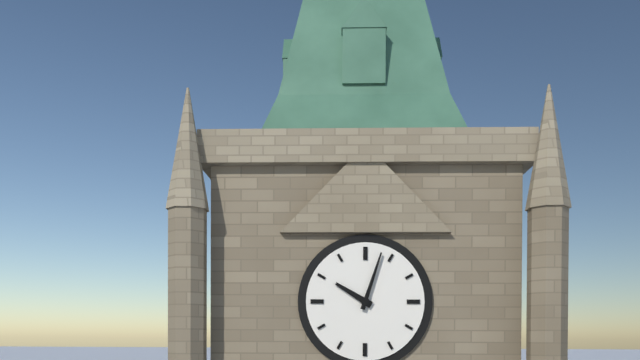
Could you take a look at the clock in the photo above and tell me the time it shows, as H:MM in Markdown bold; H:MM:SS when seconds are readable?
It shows **10:03**
